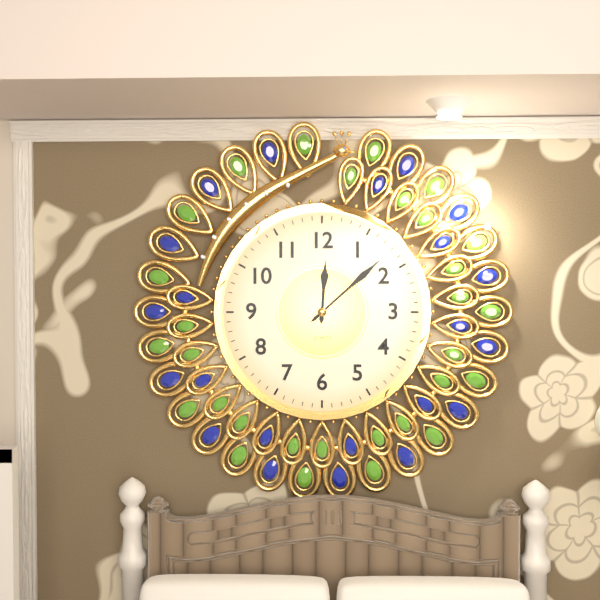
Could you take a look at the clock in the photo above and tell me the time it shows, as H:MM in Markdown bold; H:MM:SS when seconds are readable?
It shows **12:08**
